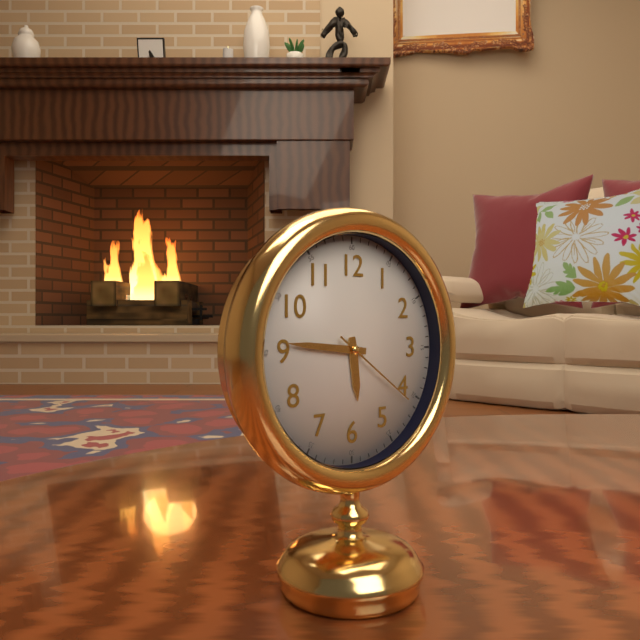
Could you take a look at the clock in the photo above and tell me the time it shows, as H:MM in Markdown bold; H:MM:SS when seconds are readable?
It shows **5:46:21**
